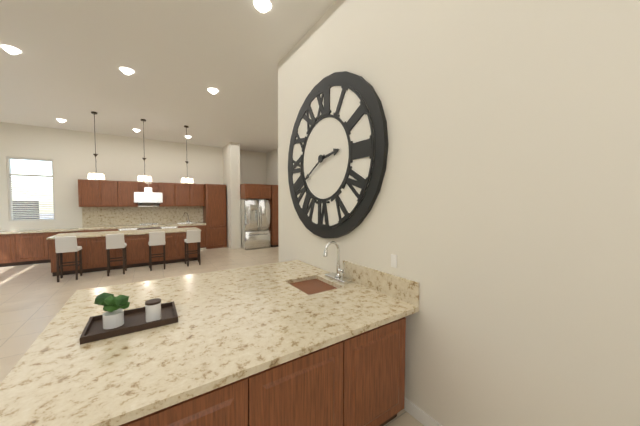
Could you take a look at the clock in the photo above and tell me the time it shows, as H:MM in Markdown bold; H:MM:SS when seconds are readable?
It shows **2:40**
